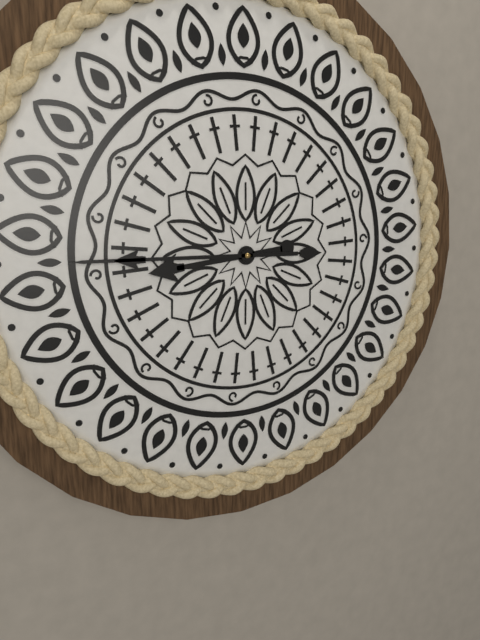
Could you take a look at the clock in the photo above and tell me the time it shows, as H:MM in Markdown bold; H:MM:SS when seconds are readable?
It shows **8:45**
